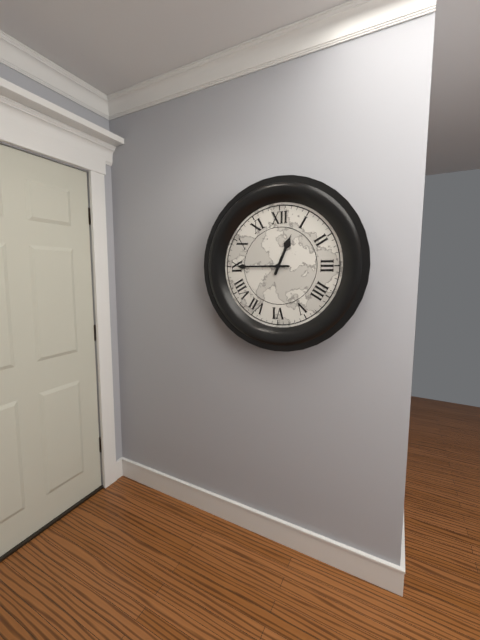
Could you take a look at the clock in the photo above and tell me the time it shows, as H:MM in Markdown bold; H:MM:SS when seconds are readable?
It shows **12:45**
